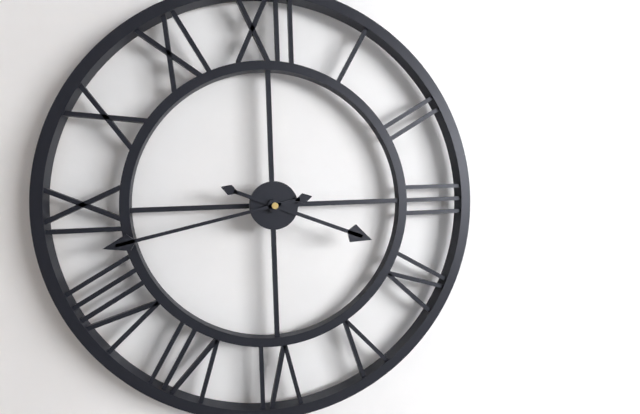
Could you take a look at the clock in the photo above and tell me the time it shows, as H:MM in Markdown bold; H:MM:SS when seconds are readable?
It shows **3:43**
